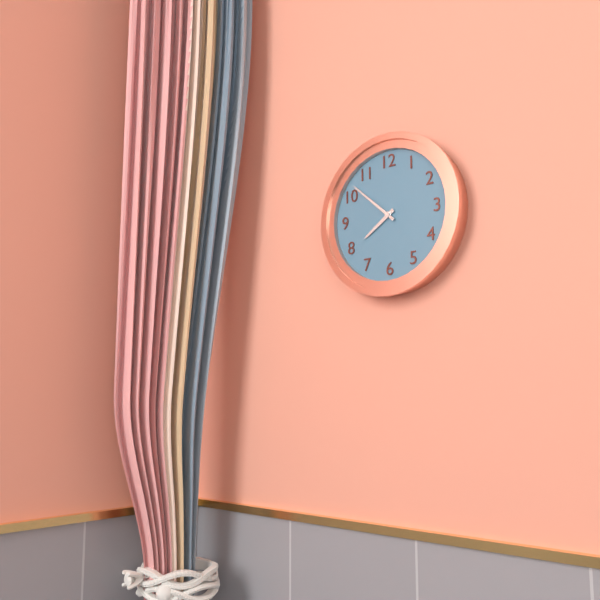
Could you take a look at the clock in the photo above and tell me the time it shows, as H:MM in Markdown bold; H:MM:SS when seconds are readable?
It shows **7:52**
